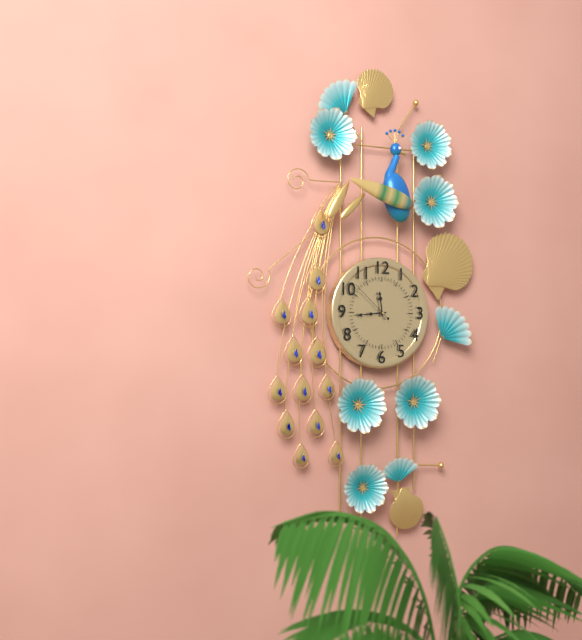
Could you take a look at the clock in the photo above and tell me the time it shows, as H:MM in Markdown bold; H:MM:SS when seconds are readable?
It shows **11:44**
